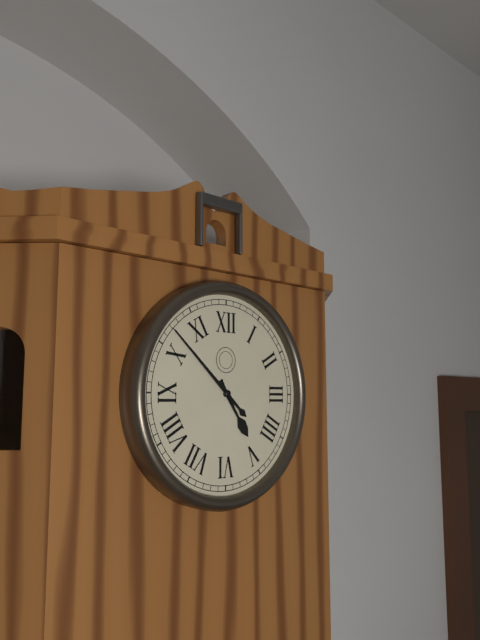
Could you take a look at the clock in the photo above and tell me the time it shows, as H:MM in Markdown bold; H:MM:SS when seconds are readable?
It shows **4:52**
